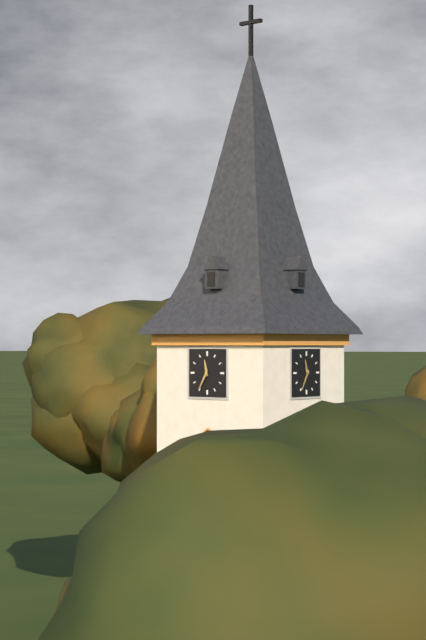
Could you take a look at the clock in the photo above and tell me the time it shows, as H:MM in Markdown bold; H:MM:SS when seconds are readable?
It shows **11:35**
